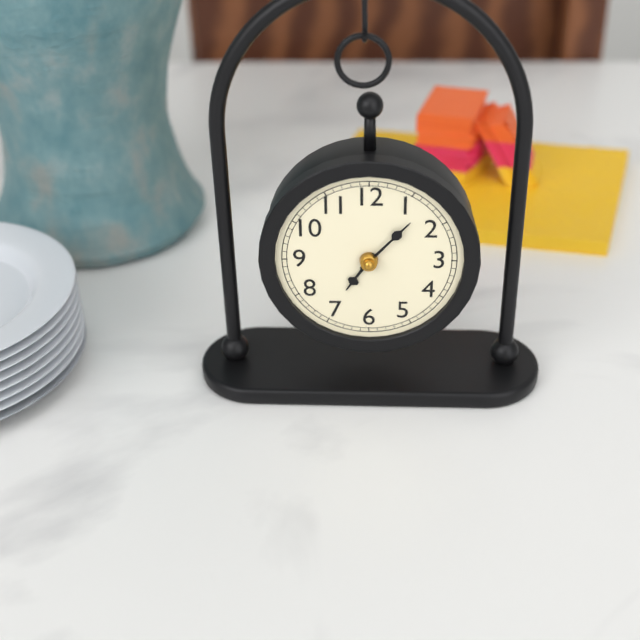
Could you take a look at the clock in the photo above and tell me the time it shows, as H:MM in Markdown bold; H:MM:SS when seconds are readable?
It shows **7:07**
